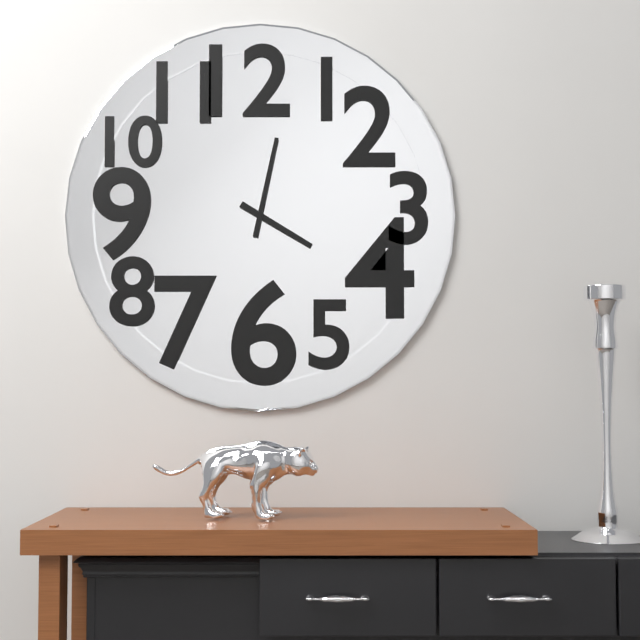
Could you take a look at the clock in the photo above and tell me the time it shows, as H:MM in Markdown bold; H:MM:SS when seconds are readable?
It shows **4:02**
